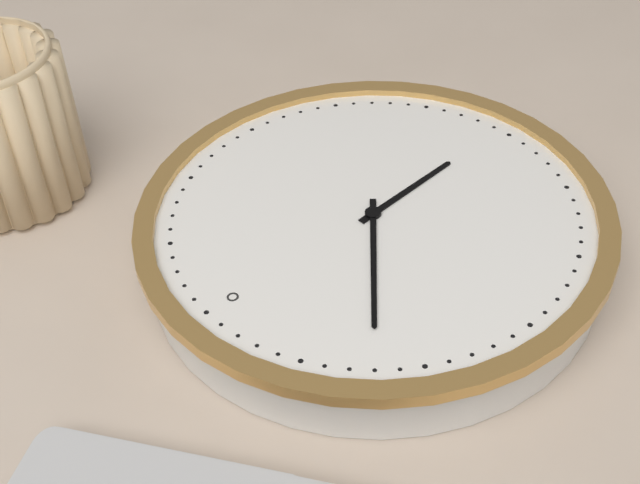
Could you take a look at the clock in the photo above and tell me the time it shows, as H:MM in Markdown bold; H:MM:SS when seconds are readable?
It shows **5:52**
